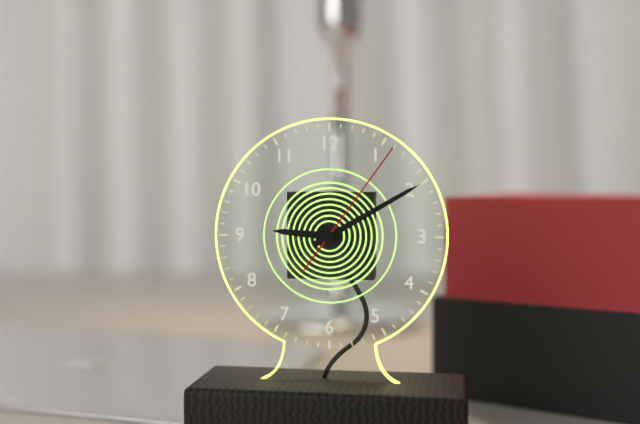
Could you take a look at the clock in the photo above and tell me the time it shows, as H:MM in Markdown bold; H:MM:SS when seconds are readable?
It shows **9:10:06**
